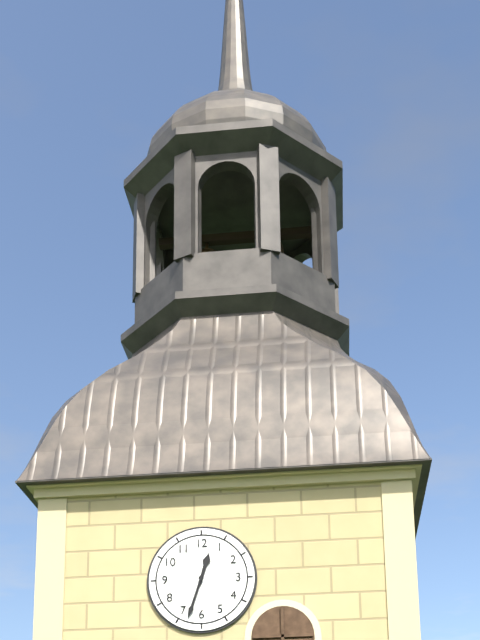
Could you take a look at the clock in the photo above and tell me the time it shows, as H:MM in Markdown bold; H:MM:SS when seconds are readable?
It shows **12:33**
